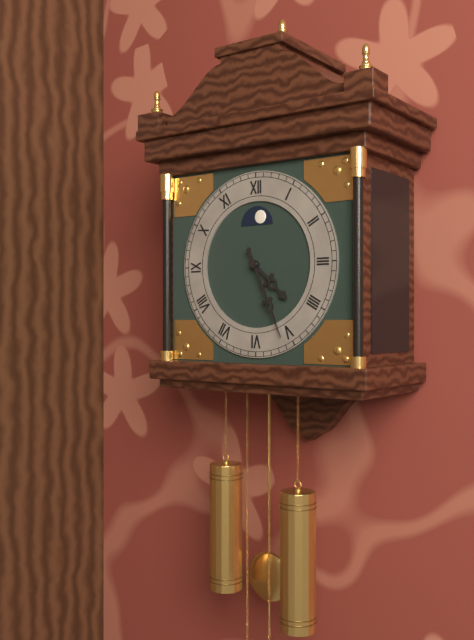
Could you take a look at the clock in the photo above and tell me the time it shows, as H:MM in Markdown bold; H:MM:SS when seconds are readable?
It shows **4:26**
